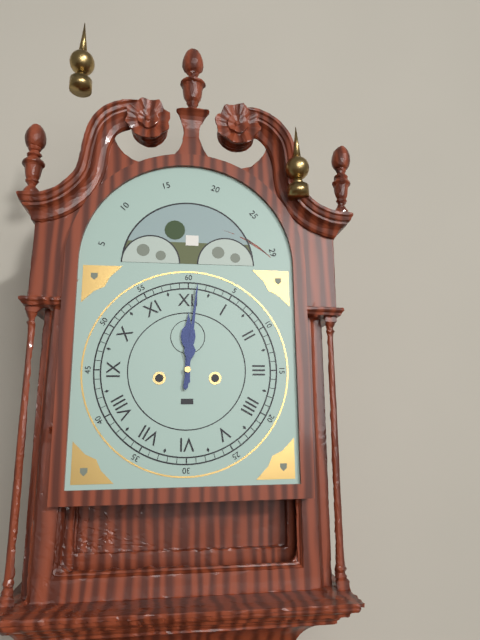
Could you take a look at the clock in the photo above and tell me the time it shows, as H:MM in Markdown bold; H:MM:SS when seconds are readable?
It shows **12:01**
